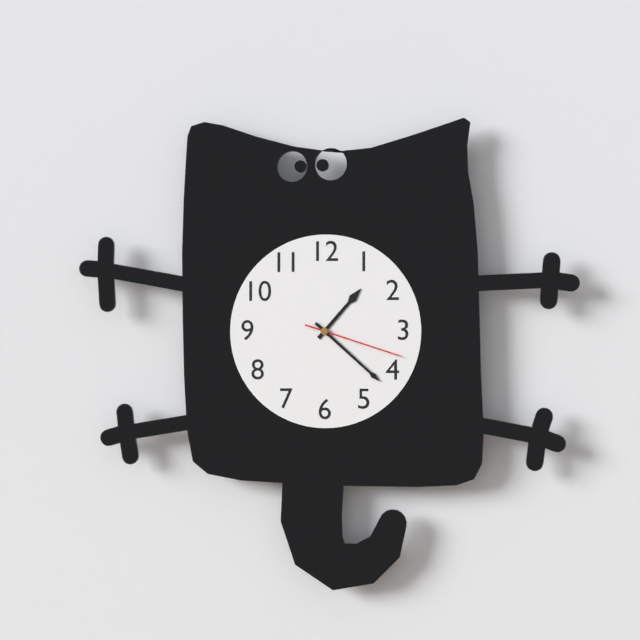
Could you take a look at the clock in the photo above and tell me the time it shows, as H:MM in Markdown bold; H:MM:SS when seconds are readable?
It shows **1:22:18**
